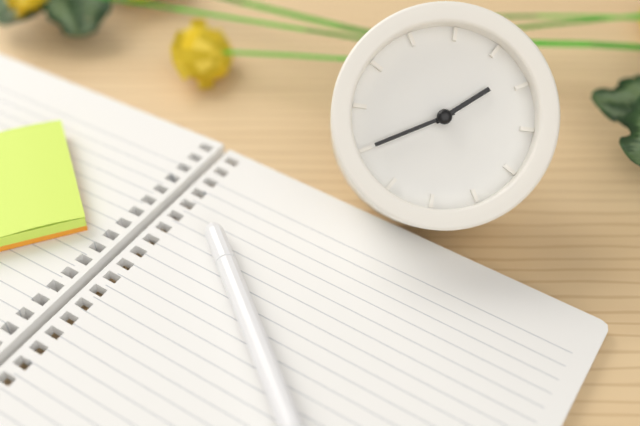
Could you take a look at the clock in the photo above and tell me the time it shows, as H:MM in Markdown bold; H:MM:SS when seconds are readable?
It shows **1:40**
